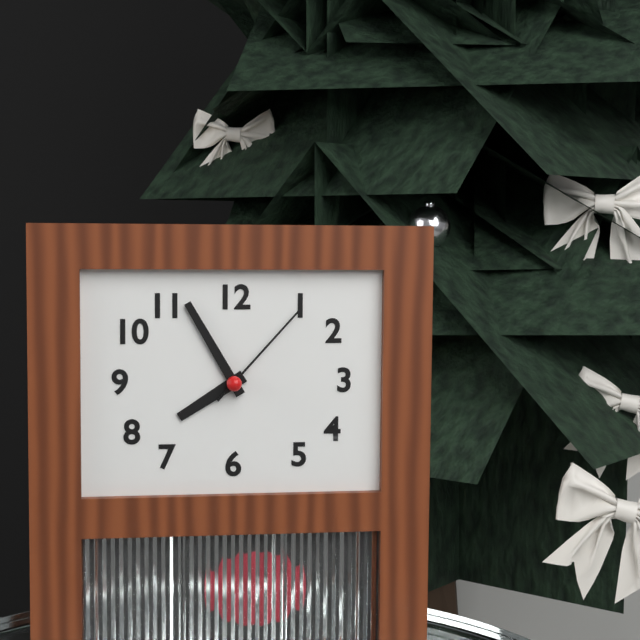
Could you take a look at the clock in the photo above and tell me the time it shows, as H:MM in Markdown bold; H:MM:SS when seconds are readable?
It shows **7:55:07**
